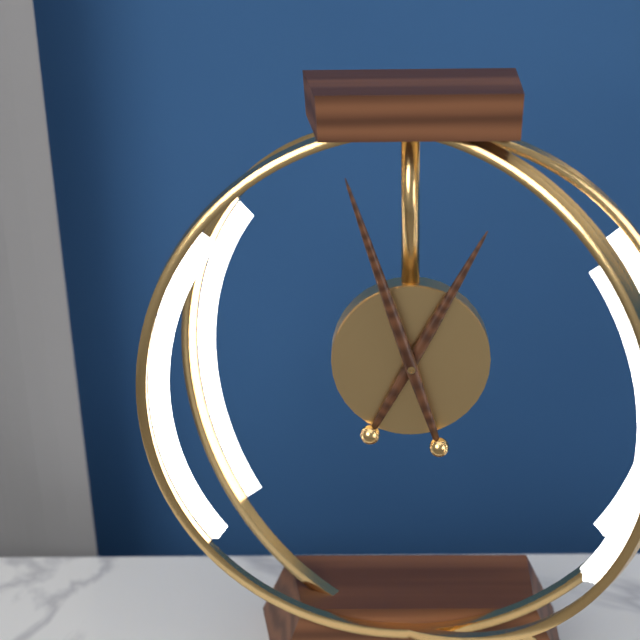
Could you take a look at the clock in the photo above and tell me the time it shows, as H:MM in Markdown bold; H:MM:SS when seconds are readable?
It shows **12:57**
